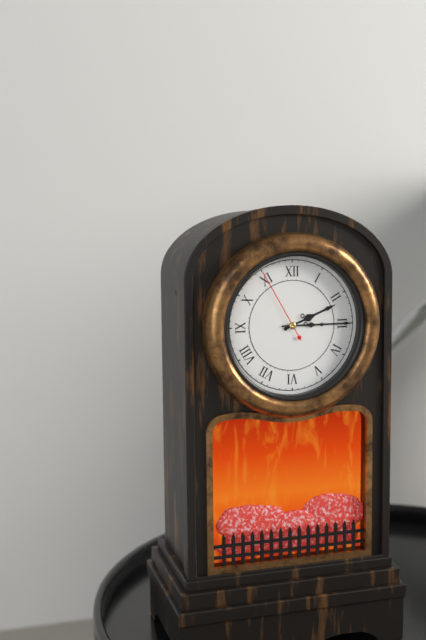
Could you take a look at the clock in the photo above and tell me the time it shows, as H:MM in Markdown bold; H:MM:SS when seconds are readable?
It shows **2:15:55**
